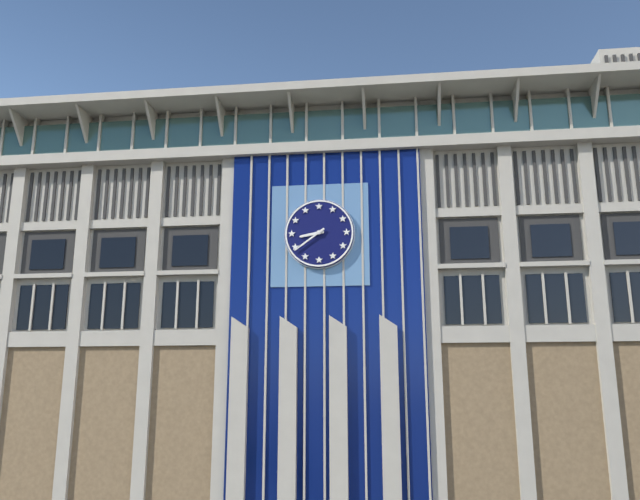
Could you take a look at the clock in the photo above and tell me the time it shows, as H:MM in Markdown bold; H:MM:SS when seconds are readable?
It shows **8:39**
